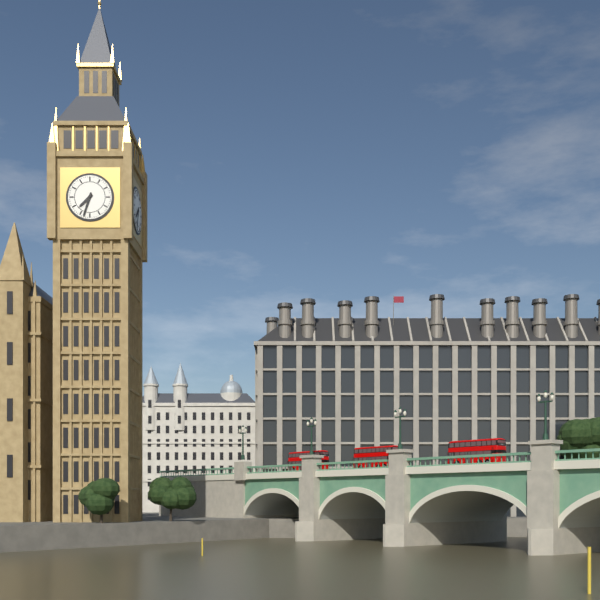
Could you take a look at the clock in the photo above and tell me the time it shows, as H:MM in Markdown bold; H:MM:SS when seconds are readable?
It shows **7:33**
